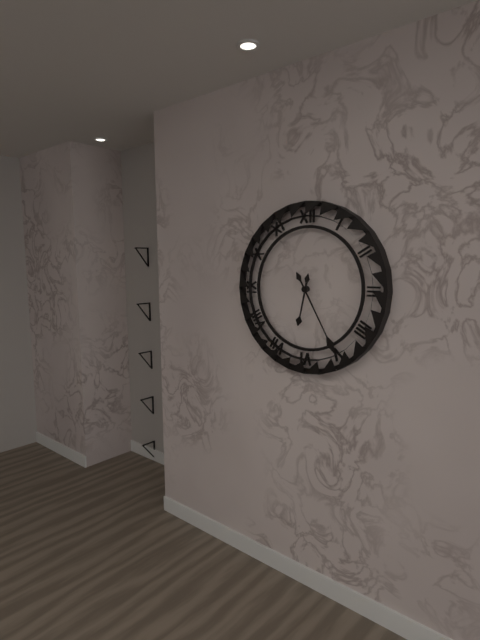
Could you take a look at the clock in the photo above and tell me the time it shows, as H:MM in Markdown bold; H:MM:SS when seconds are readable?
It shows **6:25**
